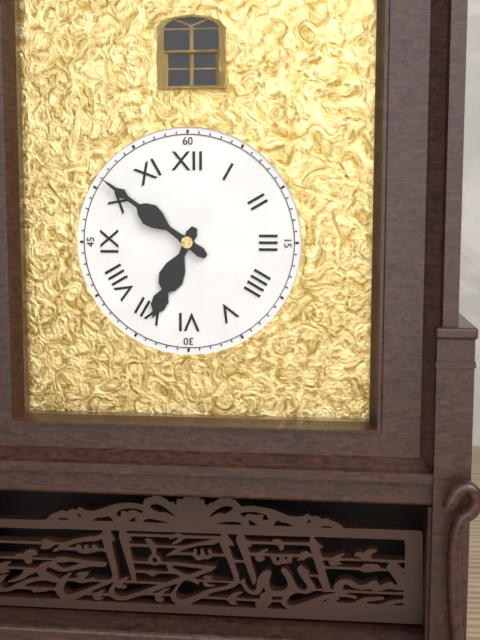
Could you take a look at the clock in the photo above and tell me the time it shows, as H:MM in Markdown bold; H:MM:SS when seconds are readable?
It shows **6:51**
